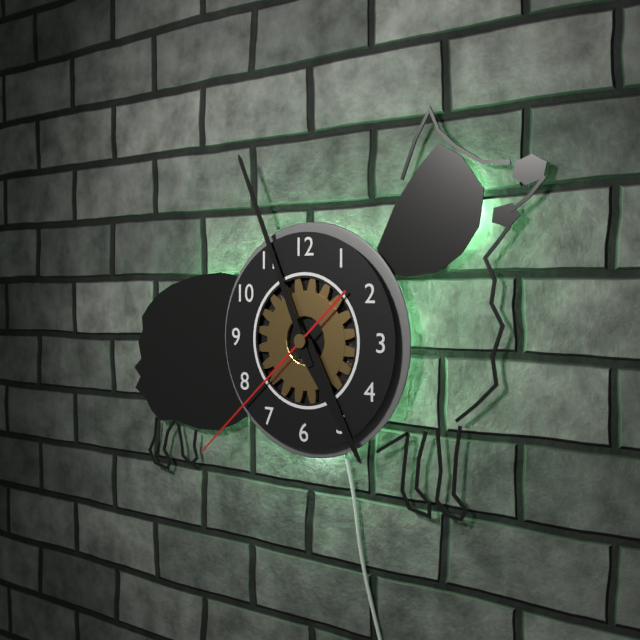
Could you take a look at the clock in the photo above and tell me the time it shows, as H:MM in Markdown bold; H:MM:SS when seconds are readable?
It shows **4:56:38**
